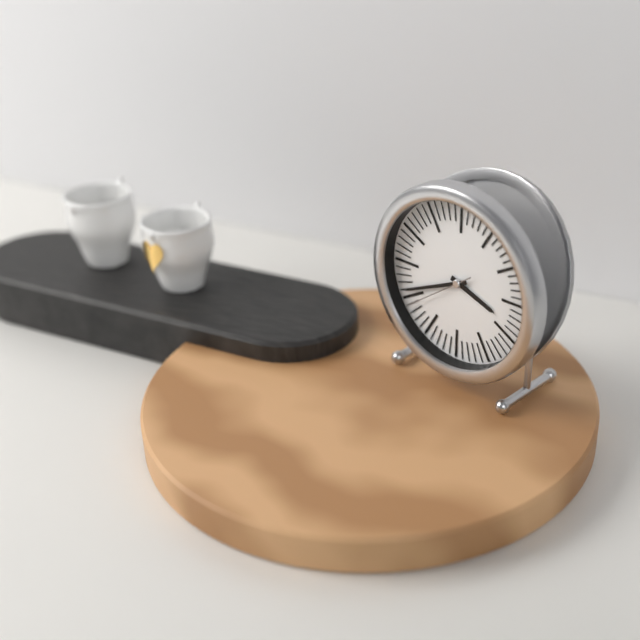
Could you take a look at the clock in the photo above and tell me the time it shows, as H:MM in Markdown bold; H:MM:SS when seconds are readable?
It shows **3:41:39**
